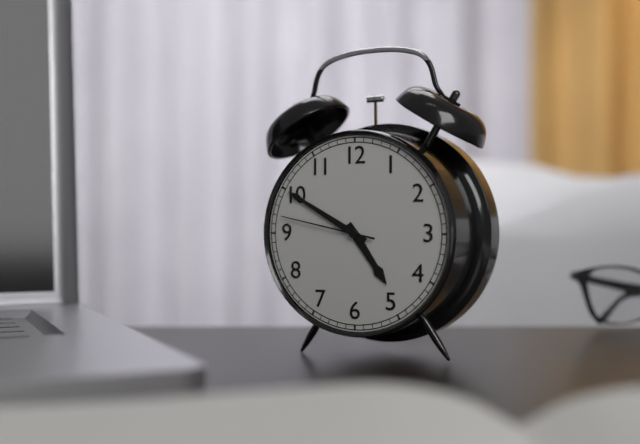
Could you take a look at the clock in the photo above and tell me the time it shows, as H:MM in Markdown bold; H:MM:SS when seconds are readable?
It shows **4:50:47**
